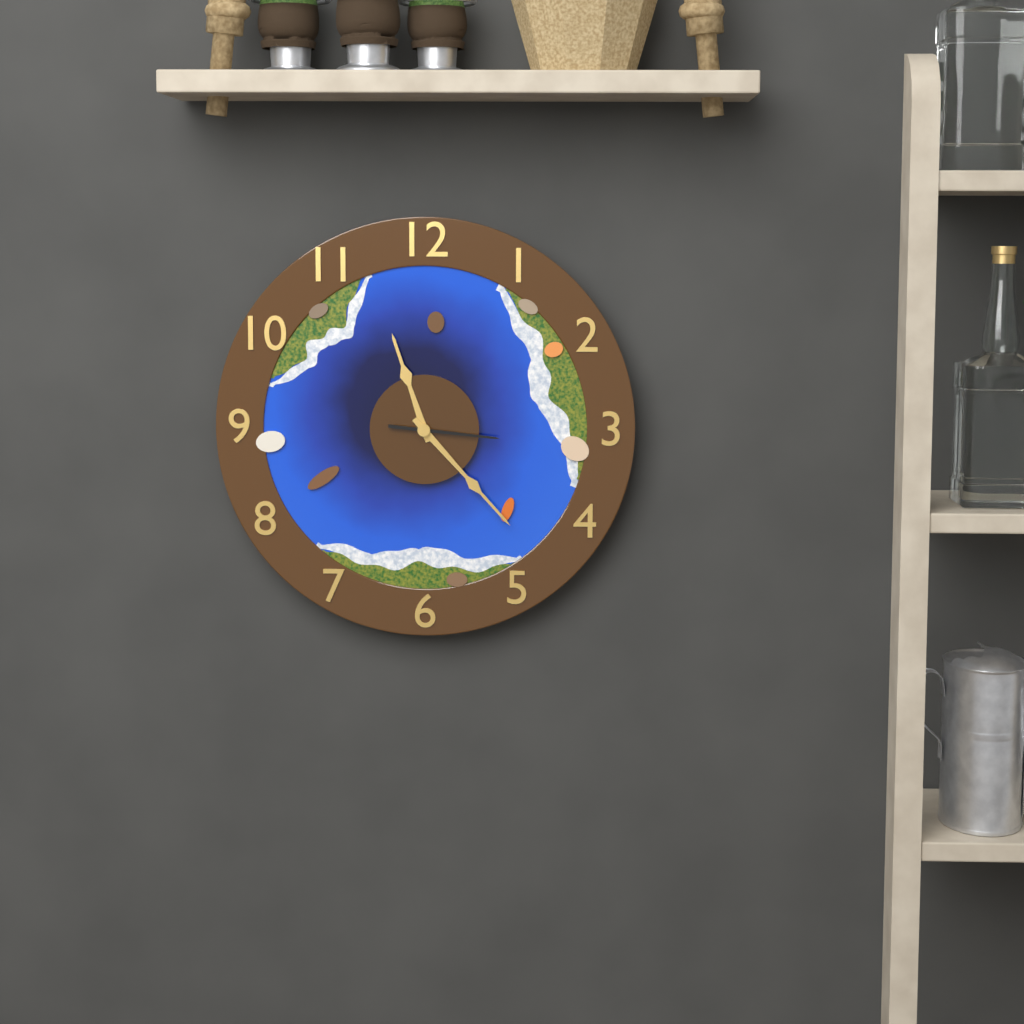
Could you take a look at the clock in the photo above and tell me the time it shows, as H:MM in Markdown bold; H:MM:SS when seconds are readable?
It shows **11:23:16**
